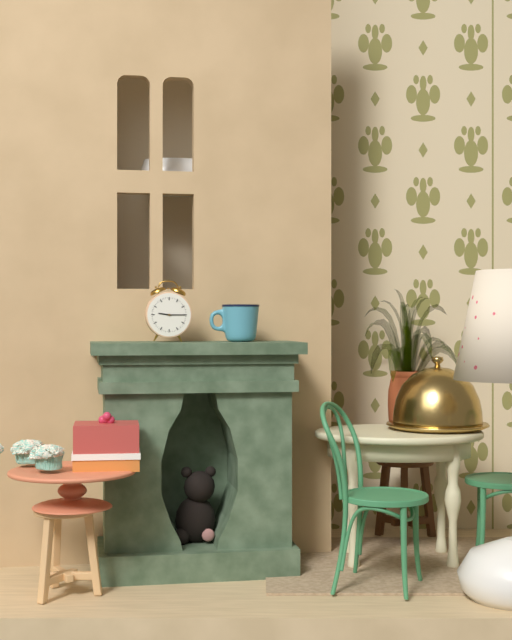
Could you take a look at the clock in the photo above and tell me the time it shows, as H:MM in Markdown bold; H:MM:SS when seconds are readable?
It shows **9:15**
